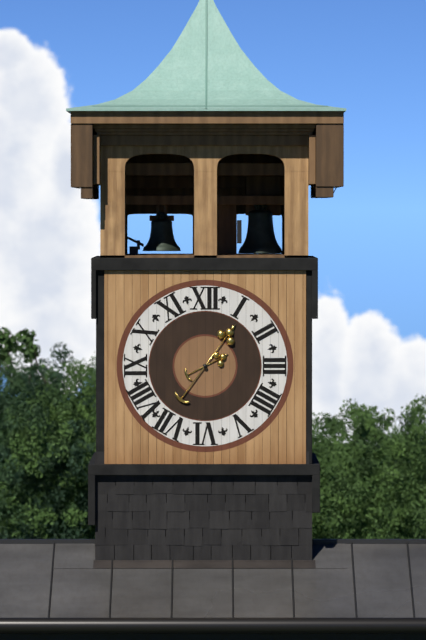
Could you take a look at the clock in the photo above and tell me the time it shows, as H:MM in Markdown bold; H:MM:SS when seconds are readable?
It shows **2:06**
